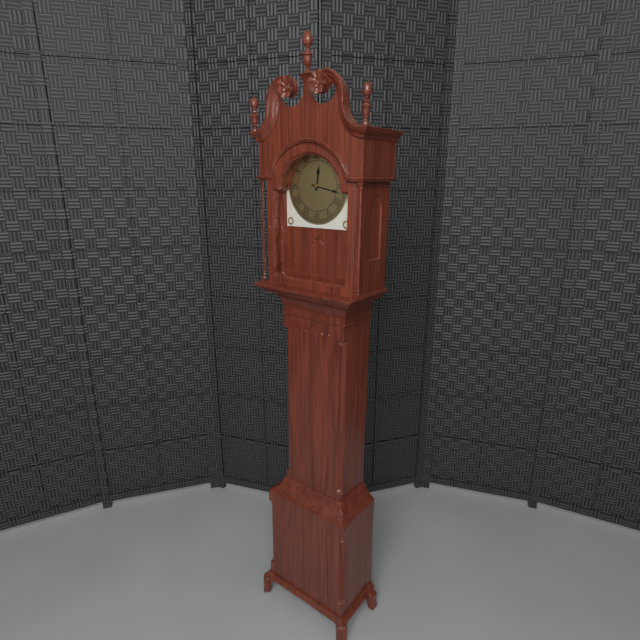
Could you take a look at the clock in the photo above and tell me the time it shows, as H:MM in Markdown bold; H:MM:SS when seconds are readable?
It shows **12:17**
